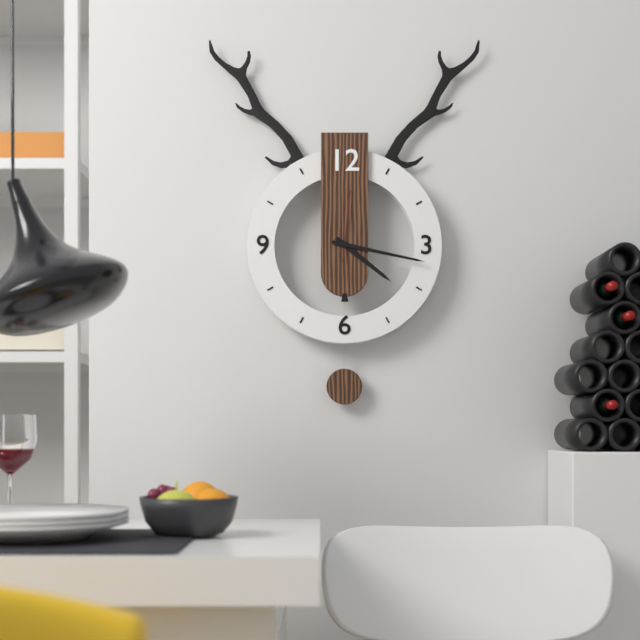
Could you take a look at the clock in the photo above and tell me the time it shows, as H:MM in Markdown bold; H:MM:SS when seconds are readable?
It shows **4:17:01**
